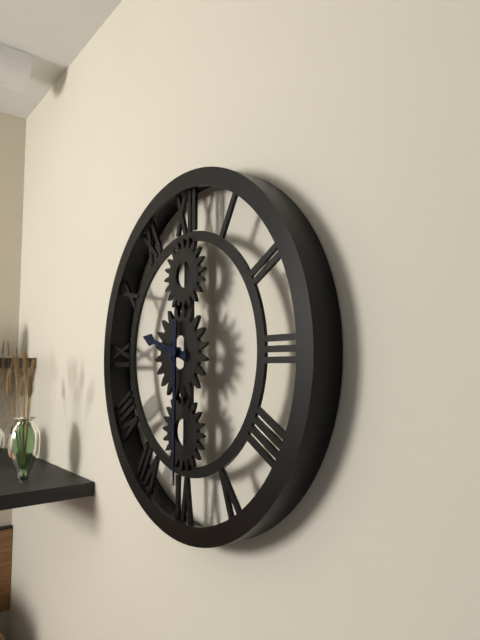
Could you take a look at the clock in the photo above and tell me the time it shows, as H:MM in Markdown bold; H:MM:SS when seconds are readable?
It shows **9:30**
